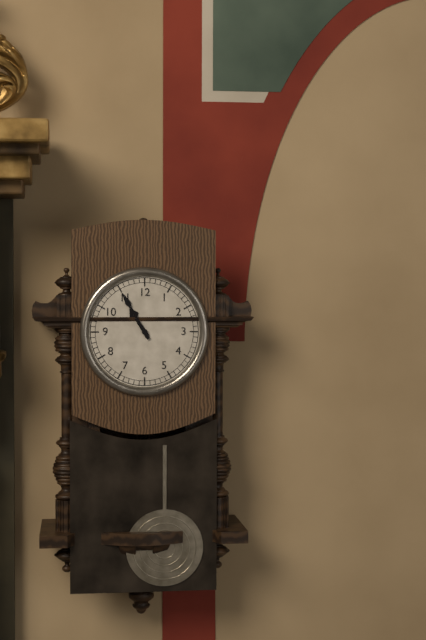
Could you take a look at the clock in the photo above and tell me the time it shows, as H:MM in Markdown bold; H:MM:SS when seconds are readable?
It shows **10:55**
